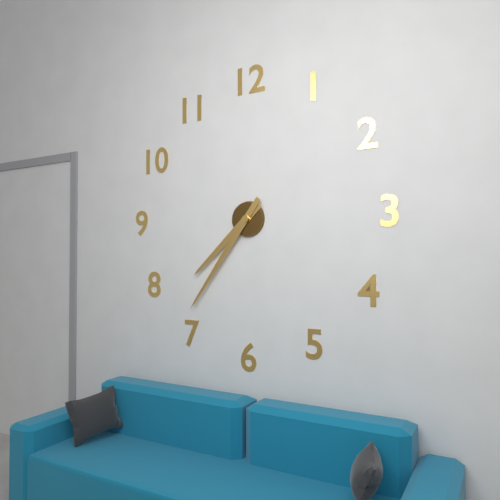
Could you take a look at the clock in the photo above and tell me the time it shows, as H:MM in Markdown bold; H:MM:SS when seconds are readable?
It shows **7:36**
